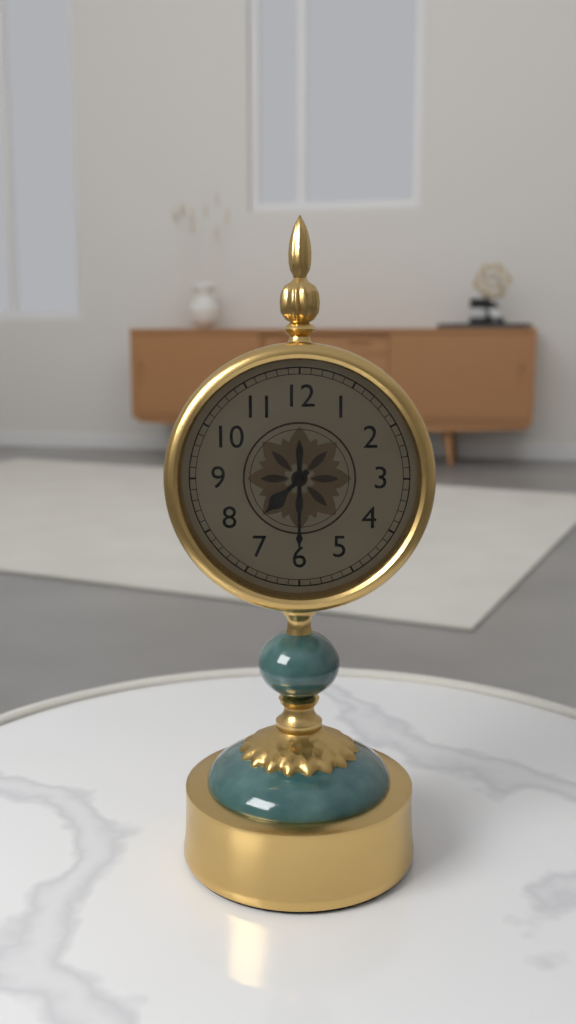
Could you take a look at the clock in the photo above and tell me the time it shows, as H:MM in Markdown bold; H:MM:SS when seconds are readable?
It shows **7:30**
